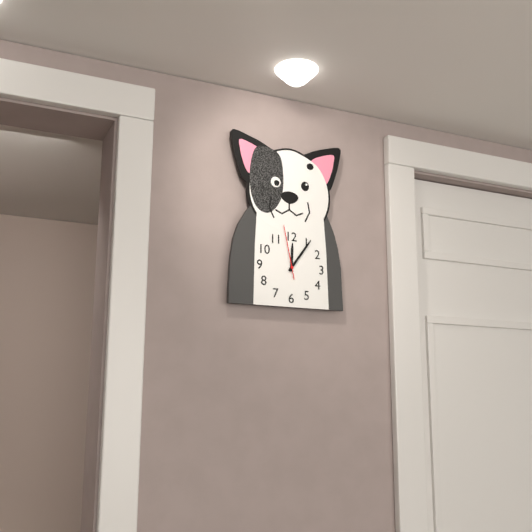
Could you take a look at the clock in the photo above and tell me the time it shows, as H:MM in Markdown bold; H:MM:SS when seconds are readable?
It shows **12:06:58**
